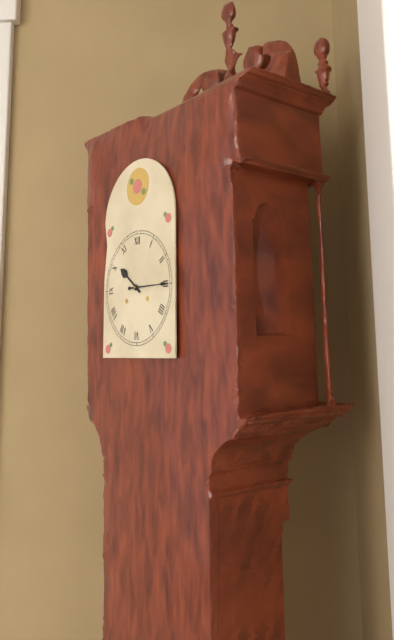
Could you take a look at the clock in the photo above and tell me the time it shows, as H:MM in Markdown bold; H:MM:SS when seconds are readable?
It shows **10:15**
